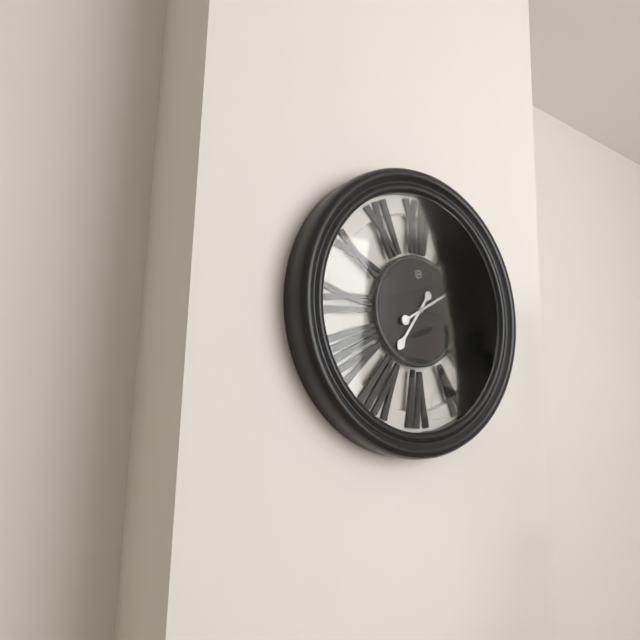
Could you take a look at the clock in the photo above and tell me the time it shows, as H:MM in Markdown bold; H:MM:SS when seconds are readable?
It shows **7:10**
